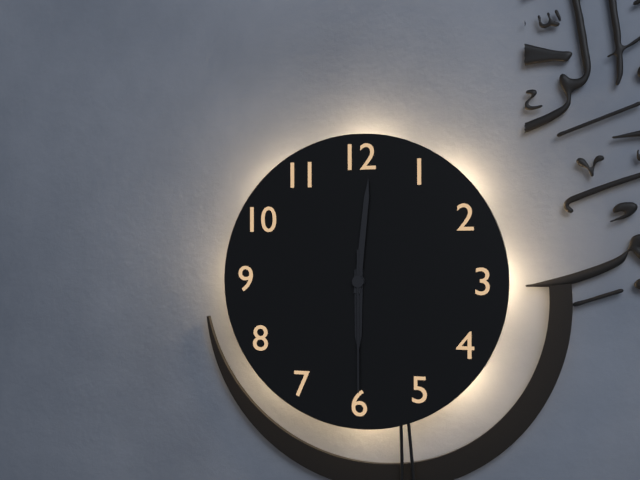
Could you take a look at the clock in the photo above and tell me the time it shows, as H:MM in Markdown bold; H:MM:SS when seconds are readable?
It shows **6:01:30**
